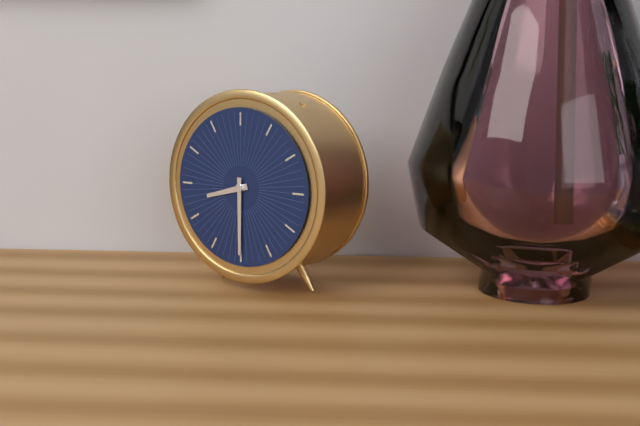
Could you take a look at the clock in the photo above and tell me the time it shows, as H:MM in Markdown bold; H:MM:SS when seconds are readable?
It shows **8:30**
